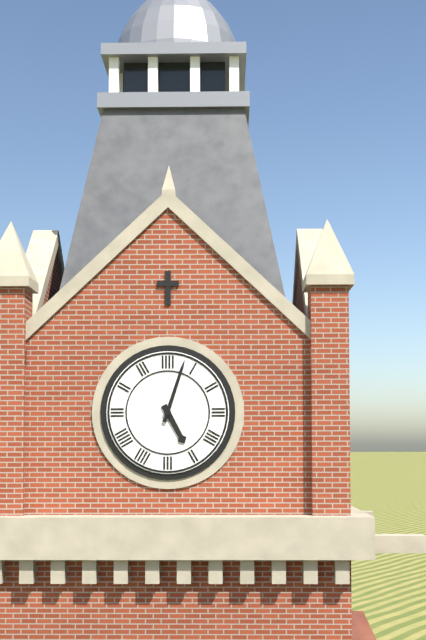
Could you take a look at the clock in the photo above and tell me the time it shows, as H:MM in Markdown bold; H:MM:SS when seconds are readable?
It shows **5:03**
